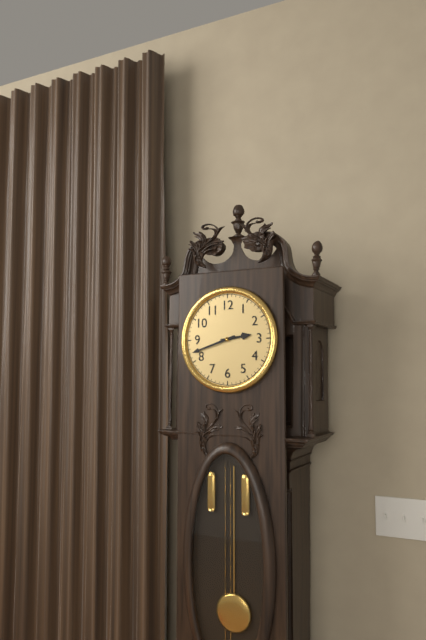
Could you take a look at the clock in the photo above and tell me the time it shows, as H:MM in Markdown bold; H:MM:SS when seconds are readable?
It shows **2:42**
